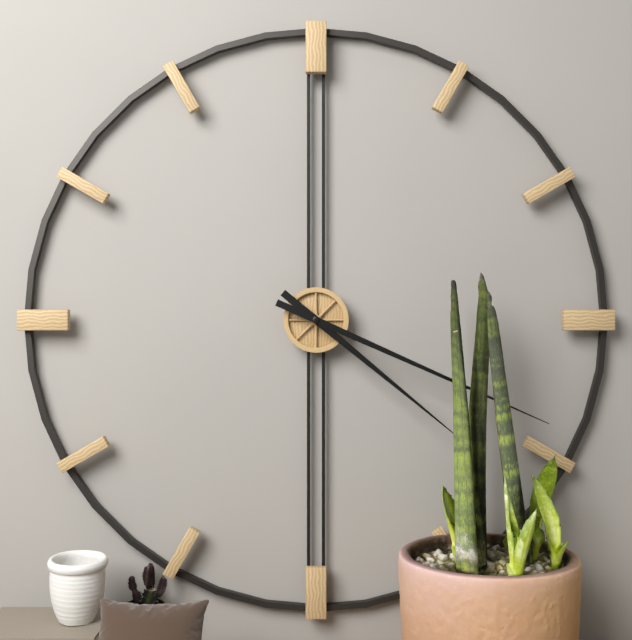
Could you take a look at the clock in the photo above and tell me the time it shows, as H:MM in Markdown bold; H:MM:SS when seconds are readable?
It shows **4:19**
